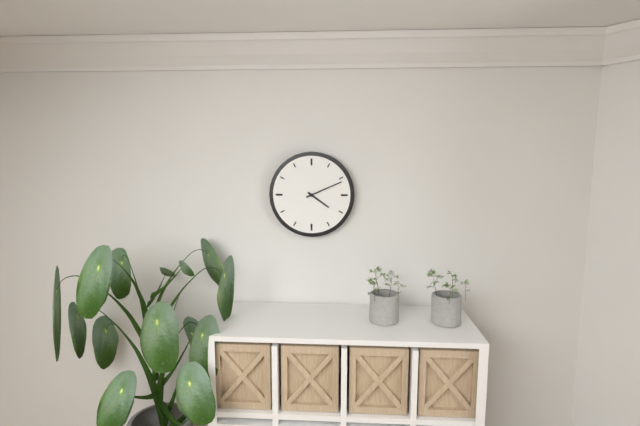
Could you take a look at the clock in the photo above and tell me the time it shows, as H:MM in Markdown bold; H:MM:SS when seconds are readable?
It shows **4:11**
